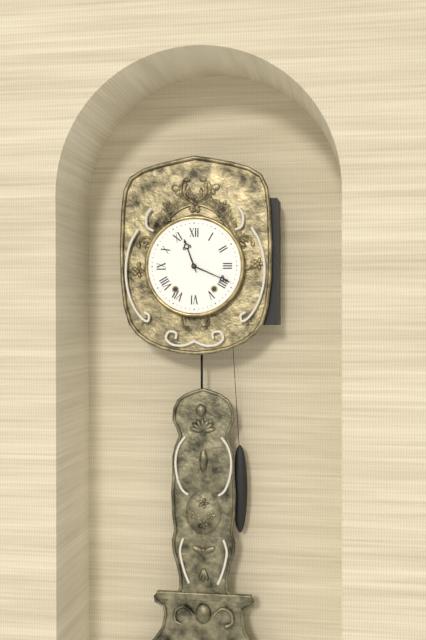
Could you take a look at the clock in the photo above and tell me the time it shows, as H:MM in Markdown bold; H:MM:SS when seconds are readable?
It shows **11:19**
